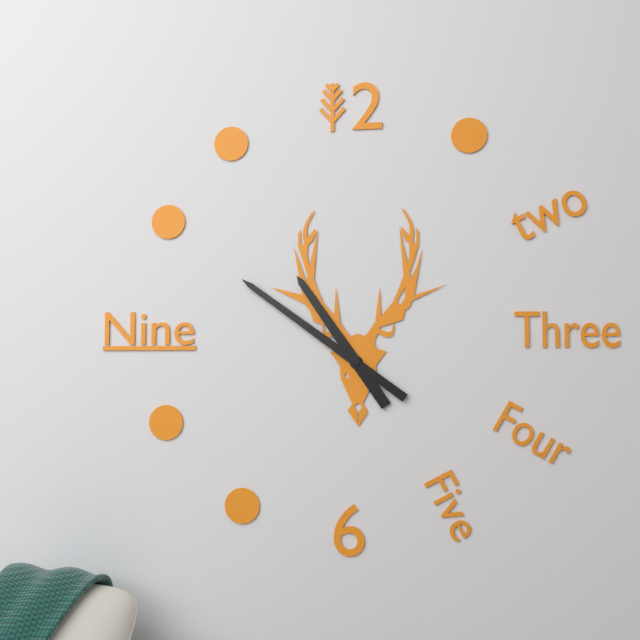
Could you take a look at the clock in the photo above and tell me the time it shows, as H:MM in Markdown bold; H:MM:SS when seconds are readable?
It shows **10:51**
